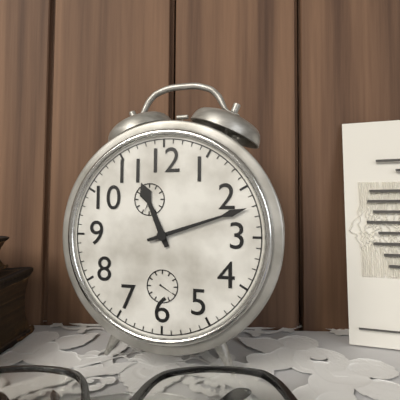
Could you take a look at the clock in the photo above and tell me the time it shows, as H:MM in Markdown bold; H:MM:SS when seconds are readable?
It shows **11:12**
